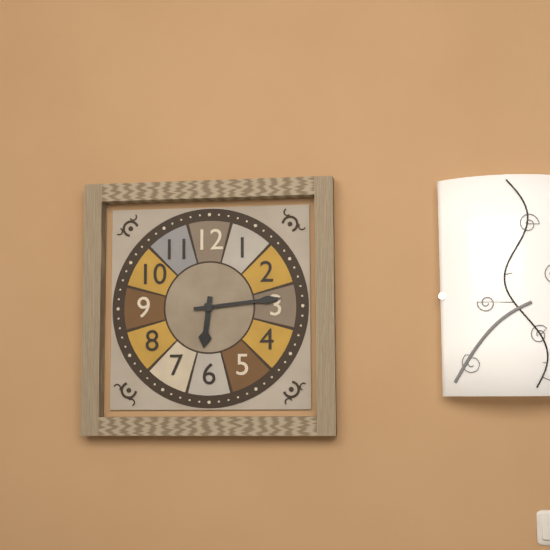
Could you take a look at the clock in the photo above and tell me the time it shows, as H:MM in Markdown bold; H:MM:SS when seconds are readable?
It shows **6:14**
